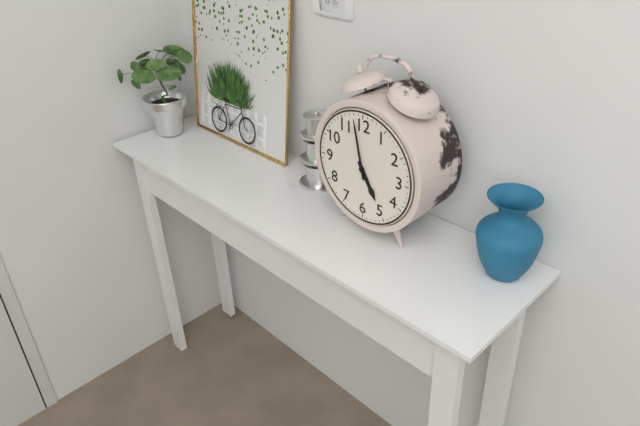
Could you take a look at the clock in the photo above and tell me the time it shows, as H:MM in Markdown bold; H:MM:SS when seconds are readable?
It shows **4:58**
